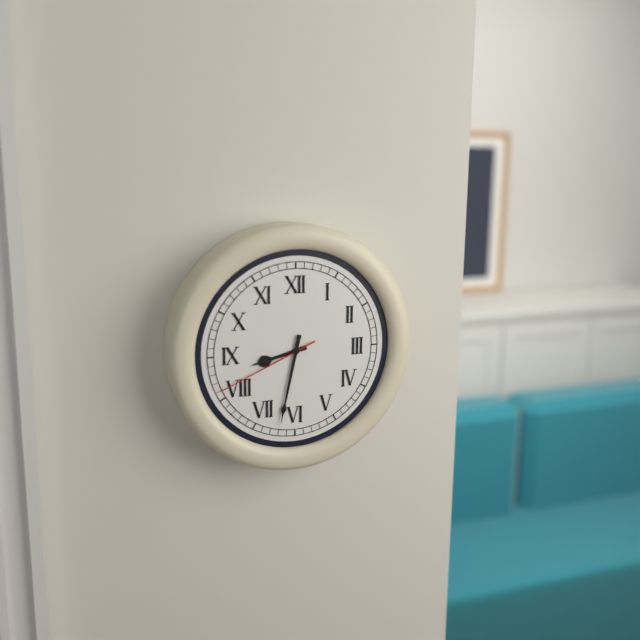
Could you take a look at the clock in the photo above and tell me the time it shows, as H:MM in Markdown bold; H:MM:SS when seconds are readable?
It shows **8:32:41**
